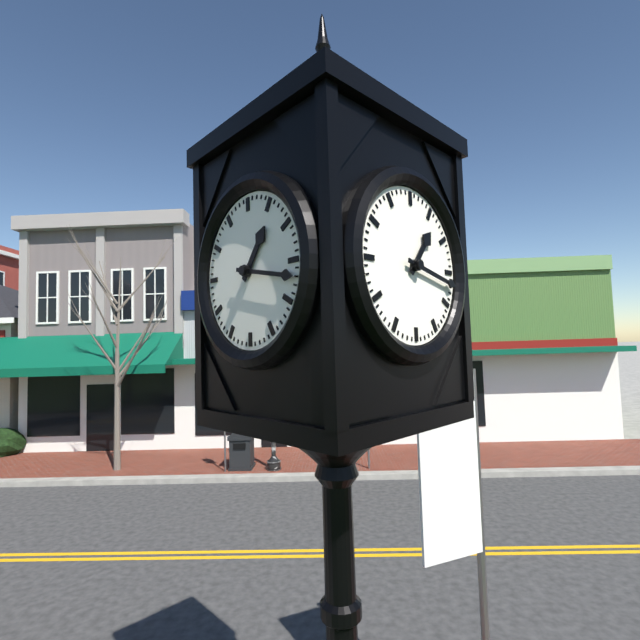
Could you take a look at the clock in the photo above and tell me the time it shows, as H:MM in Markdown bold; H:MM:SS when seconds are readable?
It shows **1:17**
